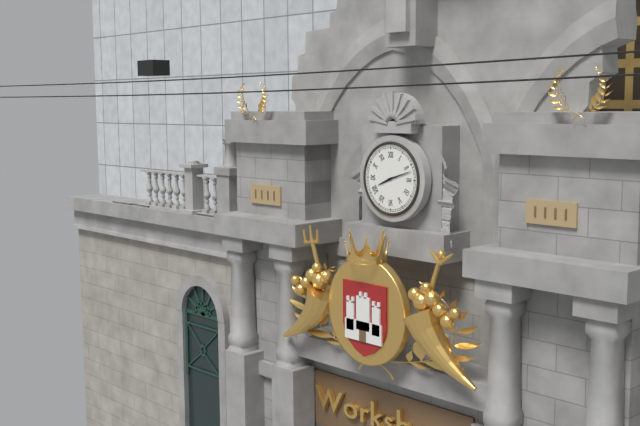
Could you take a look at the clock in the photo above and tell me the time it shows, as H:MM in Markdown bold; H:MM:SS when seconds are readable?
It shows **8:12**
